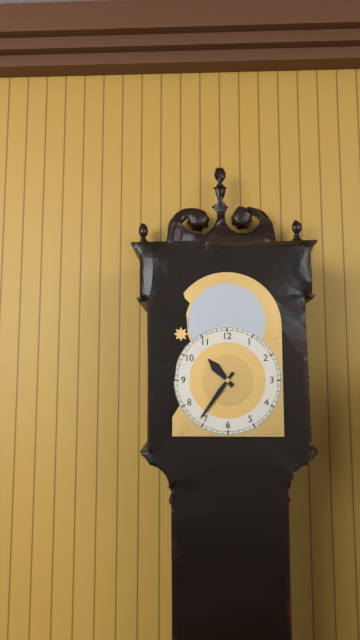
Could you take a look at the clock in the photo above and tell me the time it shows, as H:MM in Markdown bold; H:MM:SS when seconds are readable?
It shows **10:36**
